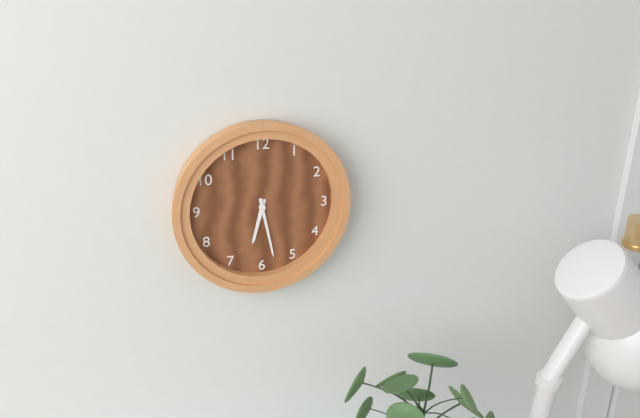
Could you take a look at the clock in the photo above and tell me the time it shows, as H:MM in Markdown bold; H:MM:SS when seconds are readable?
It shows **6:28**
